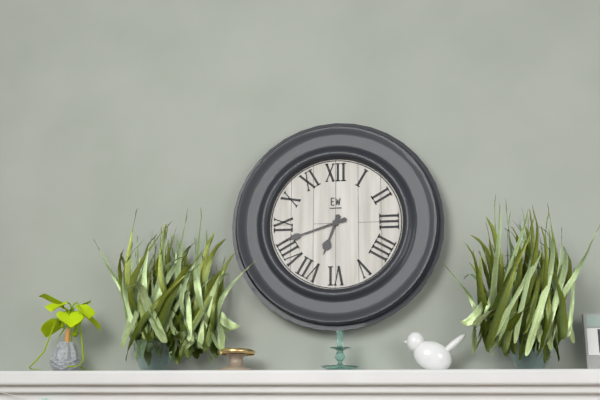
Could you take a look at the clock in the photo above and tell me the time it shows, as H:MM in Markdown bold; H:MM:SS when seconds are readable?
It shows **6:42**
